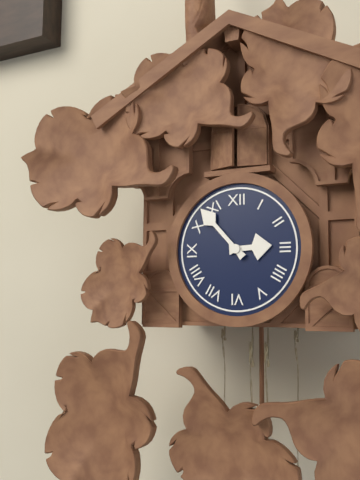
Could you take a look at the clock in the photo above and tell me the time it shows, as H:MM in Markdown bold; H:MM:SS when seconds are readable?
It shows **2:53**
